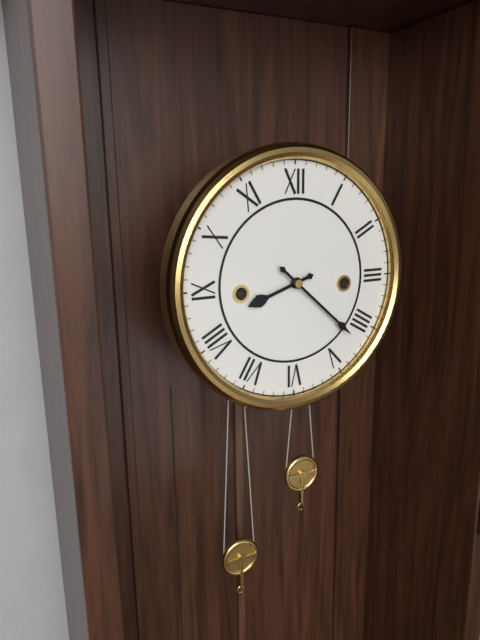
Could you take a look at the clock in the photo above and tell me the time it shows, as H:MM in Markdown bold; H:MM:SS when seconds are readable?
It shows **8:22**
